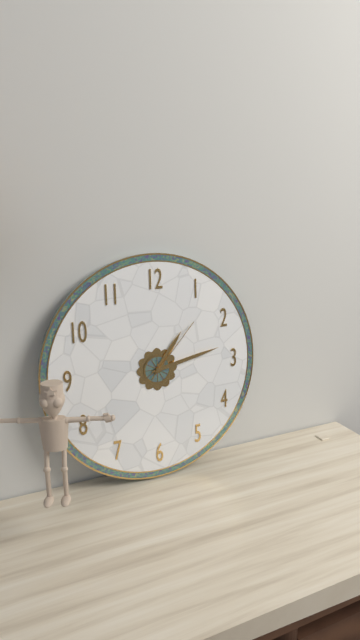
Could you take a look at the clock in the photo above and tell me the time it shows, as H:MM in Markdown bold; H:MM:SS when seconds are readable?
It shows **1:13:07**
